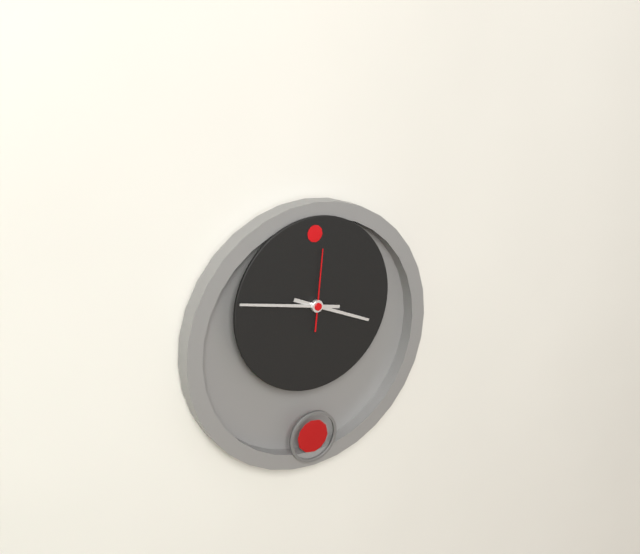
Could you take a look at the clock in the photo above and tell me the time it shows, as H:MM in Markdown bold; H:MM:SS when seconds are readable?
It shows **3:47:01**
